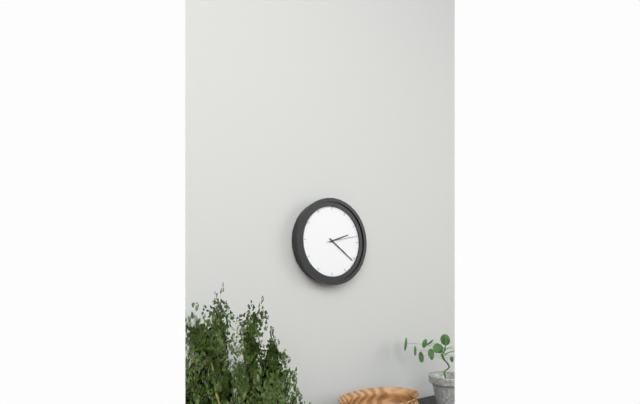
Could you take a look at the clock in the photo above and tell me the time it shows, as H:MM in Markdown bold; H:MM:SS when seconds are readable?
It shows **2:21**
